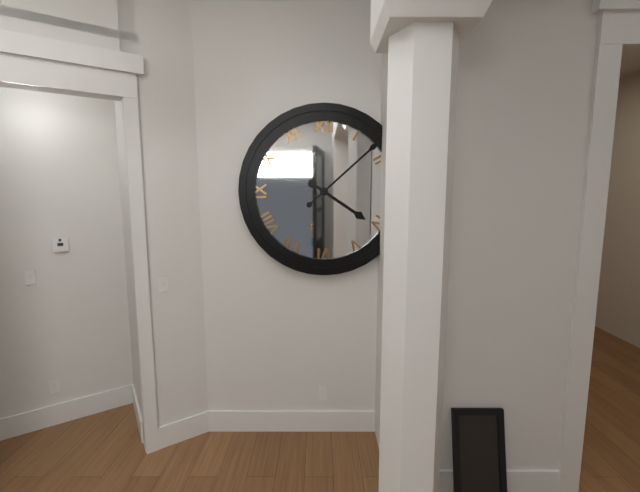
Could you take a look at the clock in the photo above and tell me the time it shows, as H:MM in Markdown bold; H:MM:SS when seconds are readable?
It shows **4:08**
